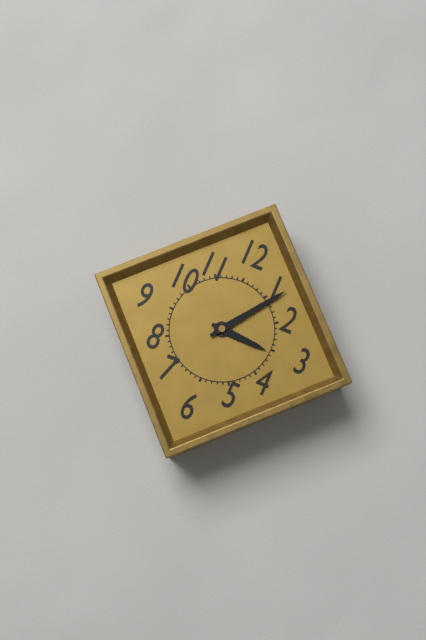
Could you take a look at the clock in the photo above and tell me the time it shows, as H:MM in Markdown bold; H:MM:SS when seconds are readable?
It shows **3:06**
